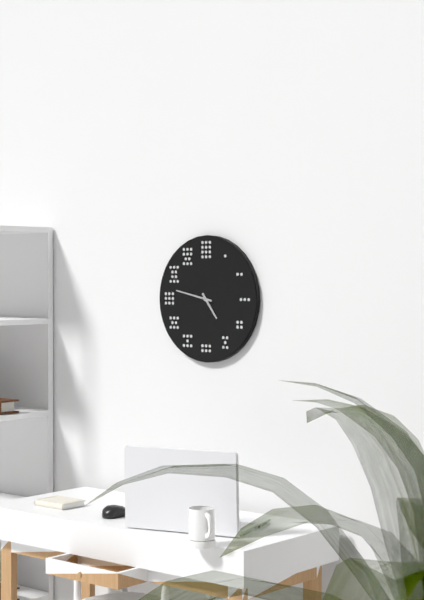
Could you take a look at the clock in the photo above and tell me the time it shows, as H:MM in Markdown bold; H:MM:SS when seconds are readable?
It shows **4:47**
